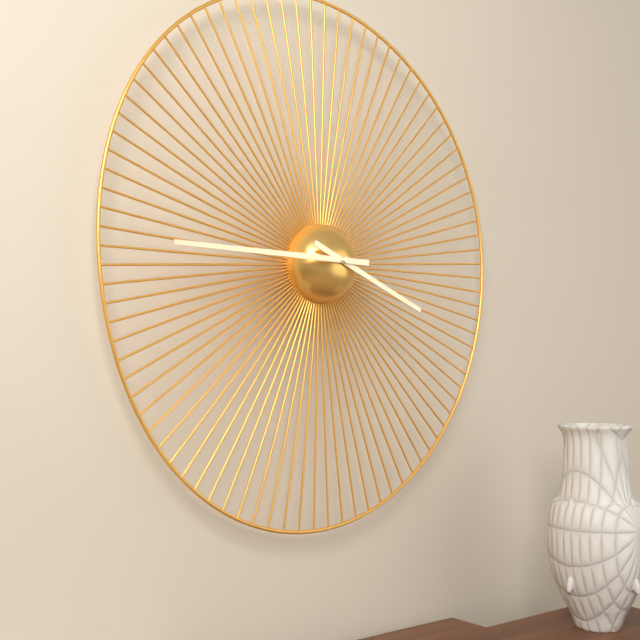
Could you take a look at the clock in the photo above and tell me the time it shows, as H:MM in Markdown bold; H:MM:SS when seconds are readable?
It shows **3:45**
